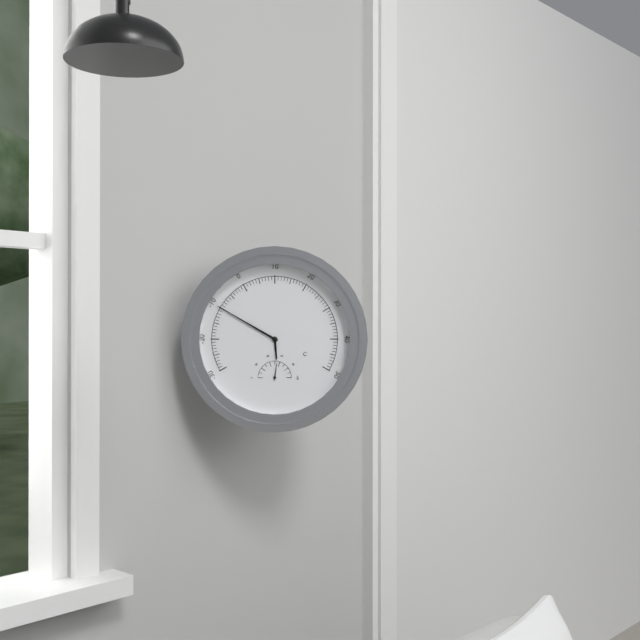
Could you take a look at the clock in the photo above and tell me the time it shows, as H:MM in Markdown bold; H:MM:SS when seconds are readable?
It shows **5:50**
